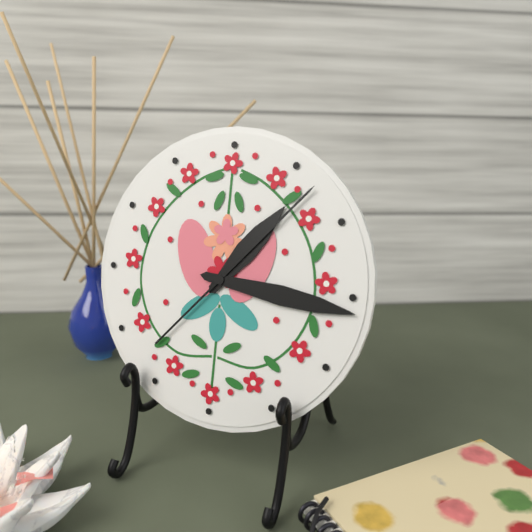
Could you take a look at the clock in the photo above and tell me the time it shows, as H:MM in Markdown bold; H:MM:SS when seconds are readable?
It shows **1:16:07**
